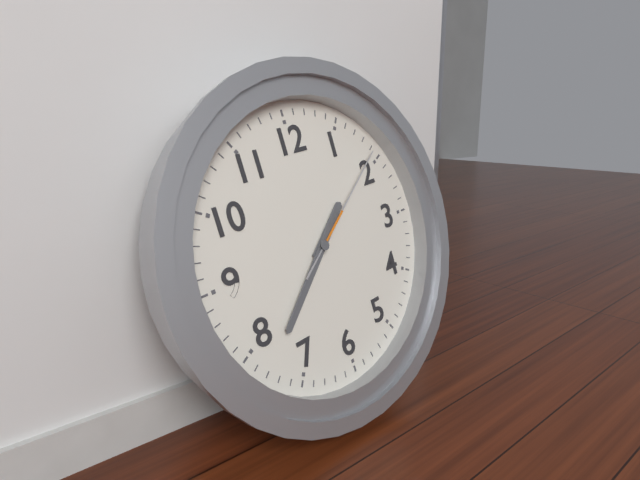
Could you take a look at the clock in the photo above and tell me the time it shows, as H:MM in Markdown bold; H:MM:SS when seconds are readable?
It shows **1:38:09**
